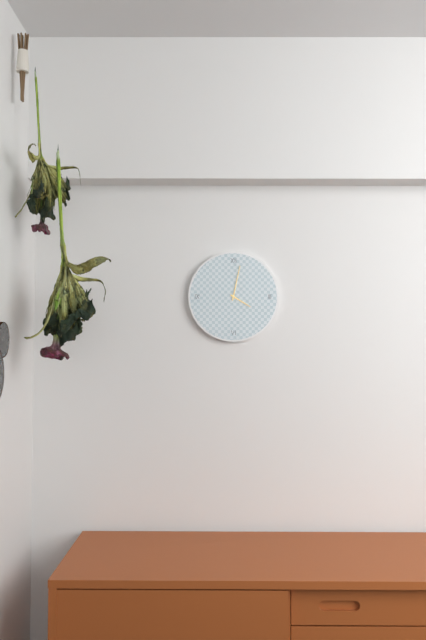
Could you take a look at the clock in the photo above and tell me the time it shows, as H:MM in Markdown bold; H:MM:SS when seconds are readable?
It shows **4:02**
